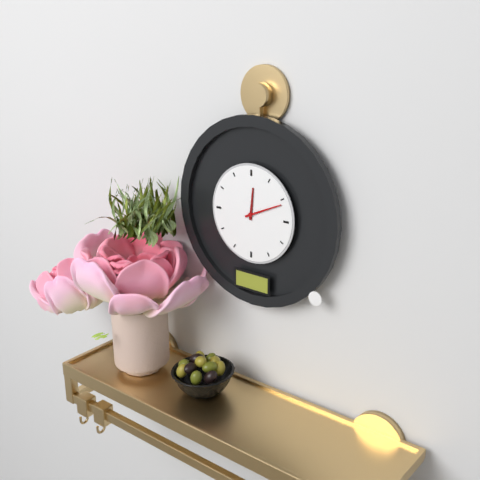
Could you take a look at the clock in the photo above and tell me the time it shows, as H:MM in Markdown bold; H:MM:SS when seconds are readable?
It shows **12:11**
